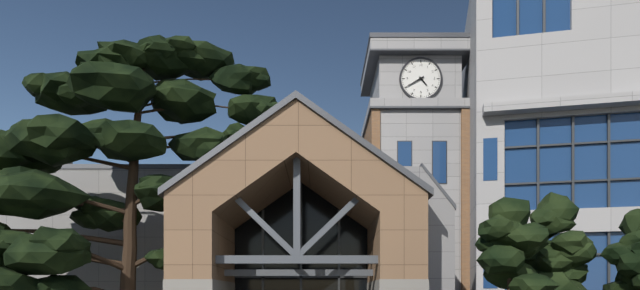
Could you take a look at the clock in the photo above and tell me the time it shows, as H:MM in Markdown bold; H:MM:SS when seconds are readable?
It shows **4:40**
